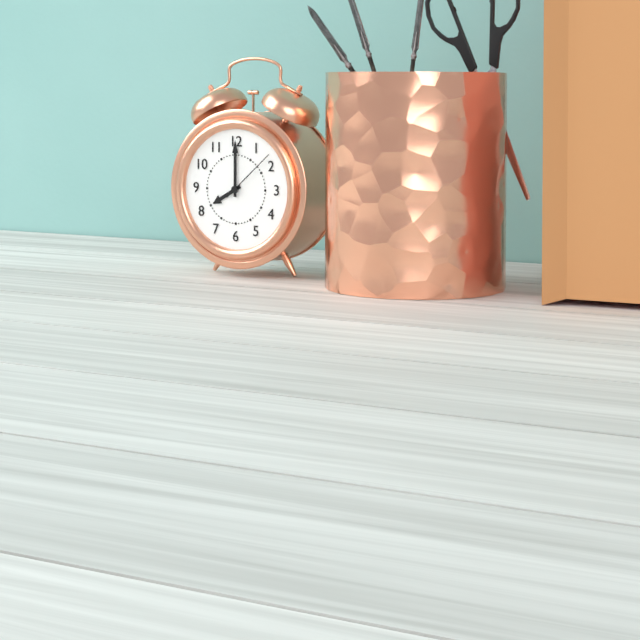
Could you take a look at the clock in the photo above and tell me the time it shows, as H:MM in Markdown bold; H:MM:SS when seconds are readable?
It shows **8:00:08**
